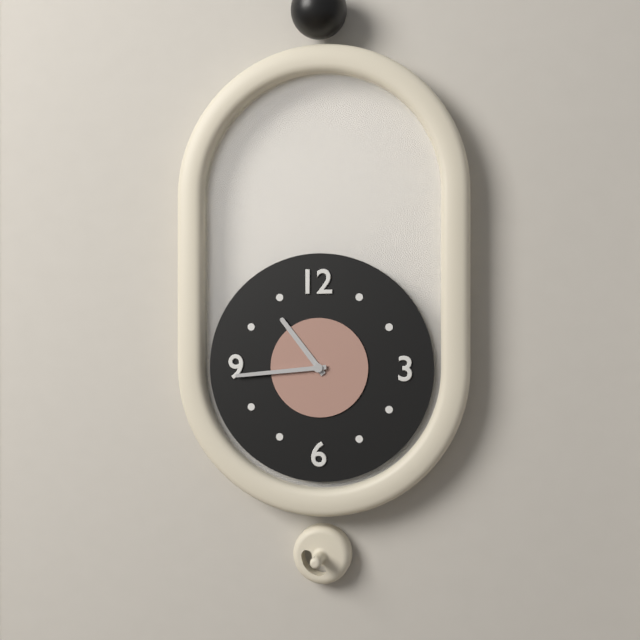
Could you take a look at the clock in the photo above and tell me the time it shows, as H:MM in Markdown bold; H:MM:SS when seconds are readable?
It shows **10:44**
